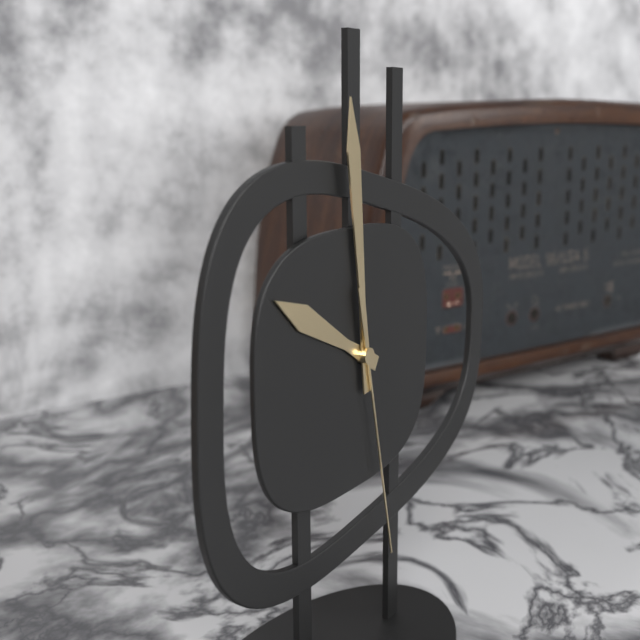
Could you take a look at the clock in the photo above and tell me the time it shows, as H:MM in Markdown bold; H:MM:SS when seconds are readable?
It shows **9:59:28**
